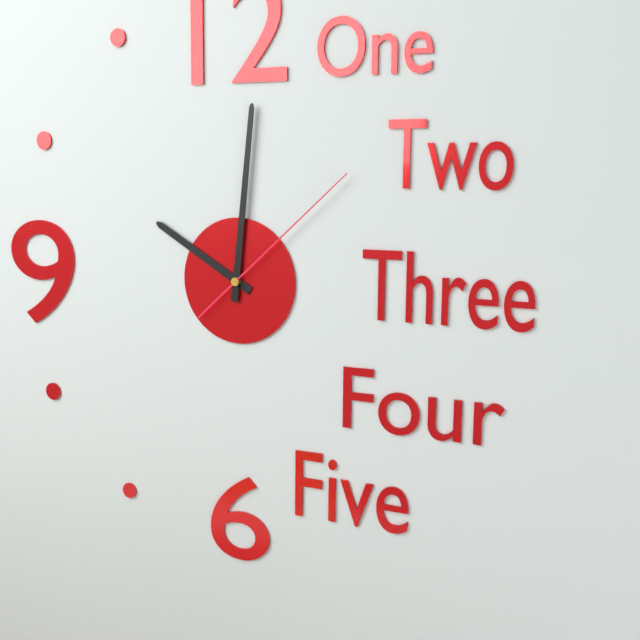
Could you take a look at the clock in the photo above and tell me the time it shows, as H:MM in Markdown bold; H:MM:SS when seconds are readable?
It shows **10:01:08**
